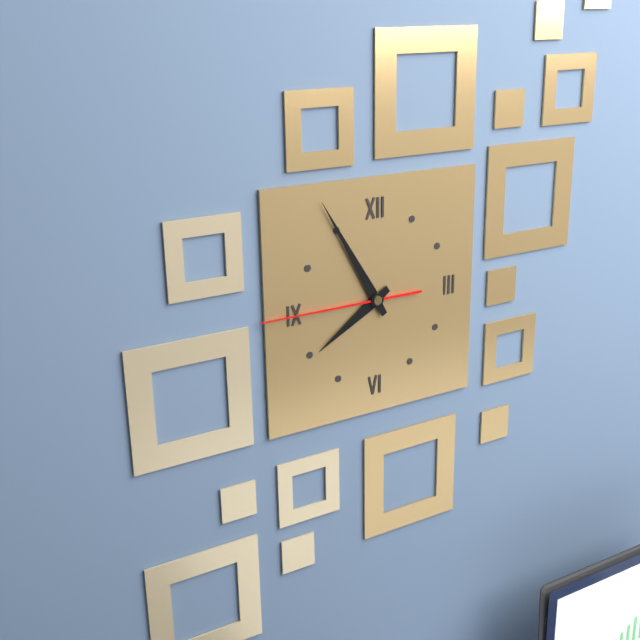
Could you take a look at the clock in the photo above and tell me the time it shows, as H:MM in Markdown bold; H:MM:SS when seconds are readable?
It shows **7:55:45**
